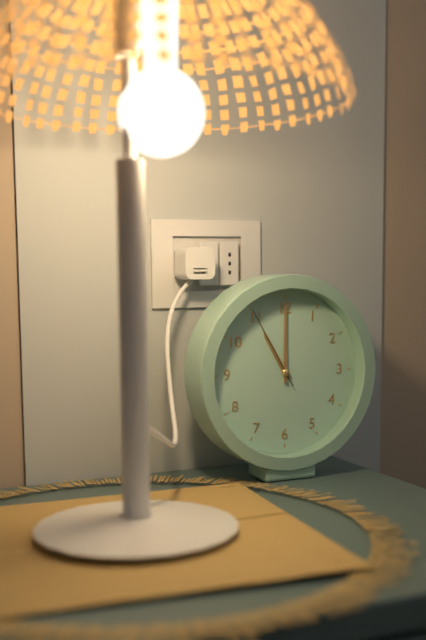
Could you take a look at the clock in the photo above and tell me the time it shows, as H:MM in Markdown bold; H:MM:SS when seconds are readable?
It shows **11:00:55**
